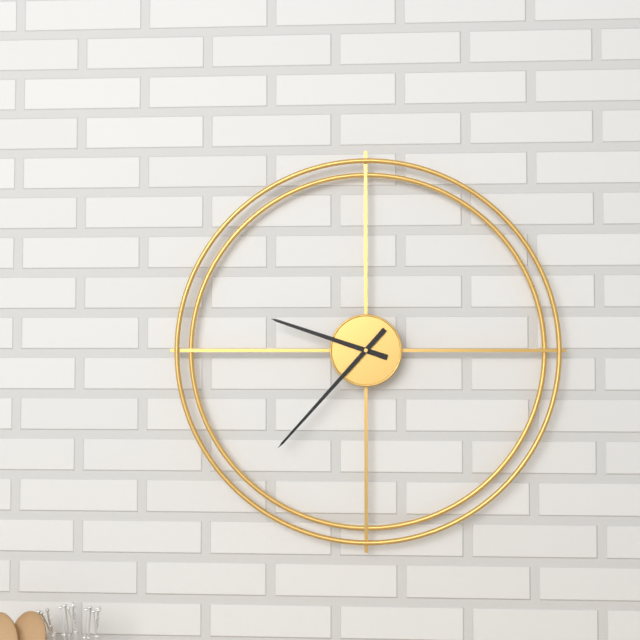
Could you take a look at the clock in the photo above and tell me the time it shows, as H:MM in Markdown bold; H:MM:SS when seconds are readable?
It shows **9:37**
